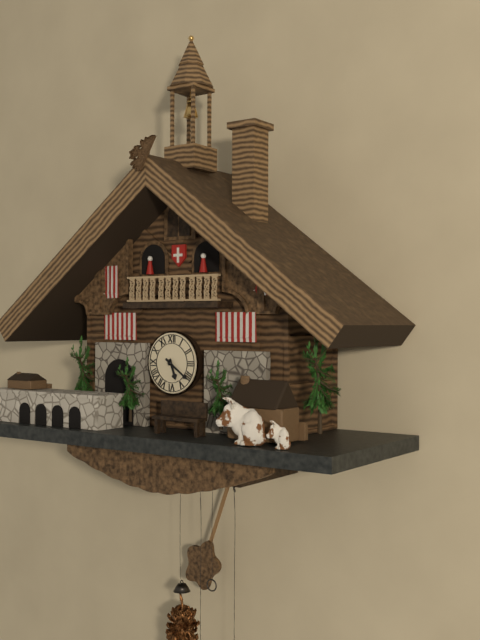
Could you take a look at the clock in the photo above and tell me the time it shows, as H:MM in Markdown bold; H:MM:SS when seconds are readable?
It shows **5:21**
